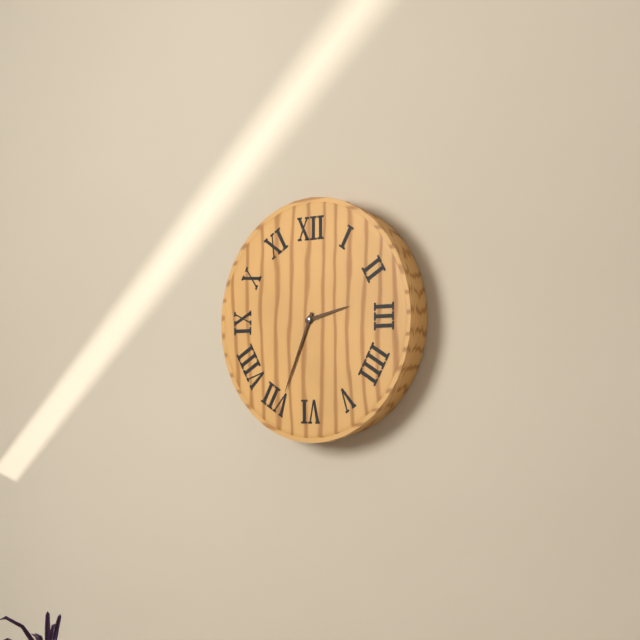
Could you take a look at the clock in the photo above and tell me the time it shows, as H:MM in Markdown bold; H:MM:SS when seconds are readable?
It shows **2:34**
